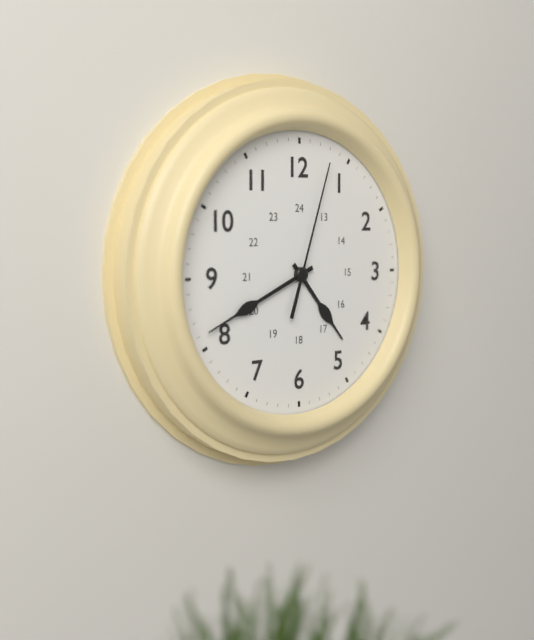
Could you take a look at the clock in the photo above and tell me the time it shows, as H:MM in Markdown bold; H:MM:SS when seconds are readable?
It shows **4:41:03**
